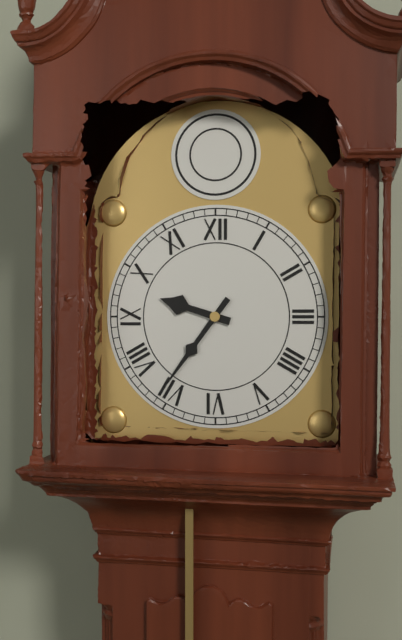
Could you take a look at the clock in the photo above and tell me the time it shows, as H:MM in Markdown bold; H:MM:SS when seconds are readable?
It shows **9:36**
